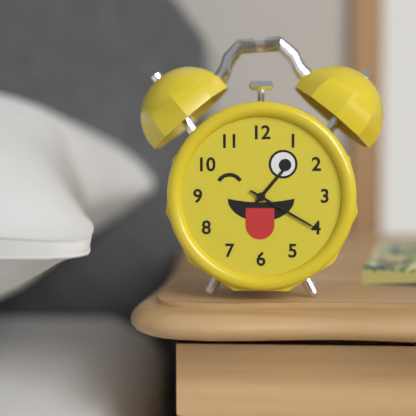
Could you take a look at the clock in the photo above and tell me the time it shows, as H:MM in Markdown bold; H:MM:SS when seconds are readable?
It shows **1:20**
